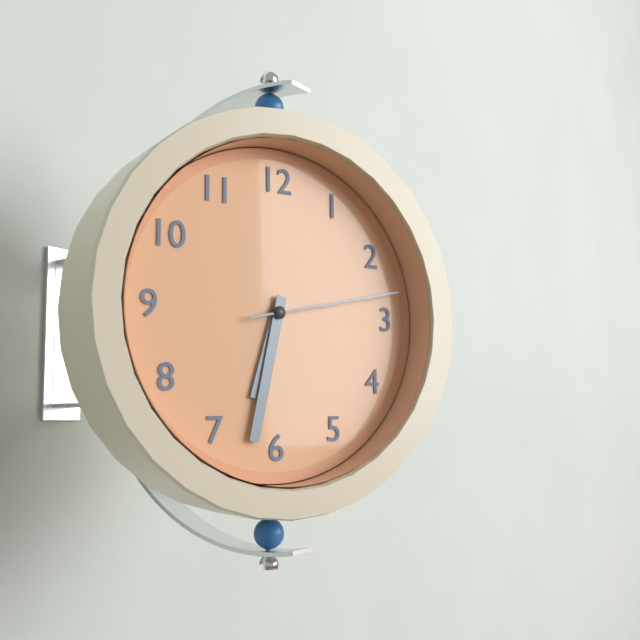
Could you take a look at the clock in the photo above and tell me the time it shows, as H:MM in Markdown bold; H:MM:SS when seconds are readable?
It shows **6:32:13**
